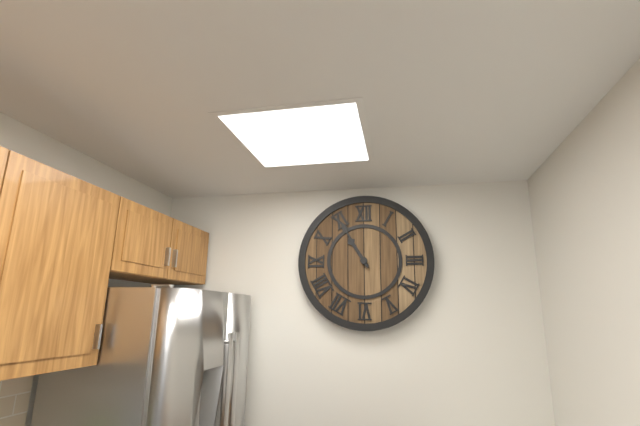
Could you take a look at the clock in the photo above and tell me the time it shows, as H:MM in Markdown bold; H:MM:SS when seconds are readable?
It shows **10:55**
